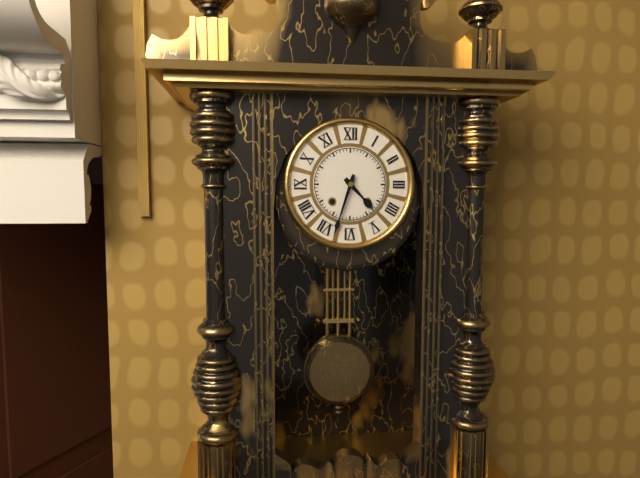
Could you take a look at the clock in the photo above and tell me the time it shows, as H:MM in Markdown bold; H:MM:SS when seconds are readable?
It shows **4:33**
